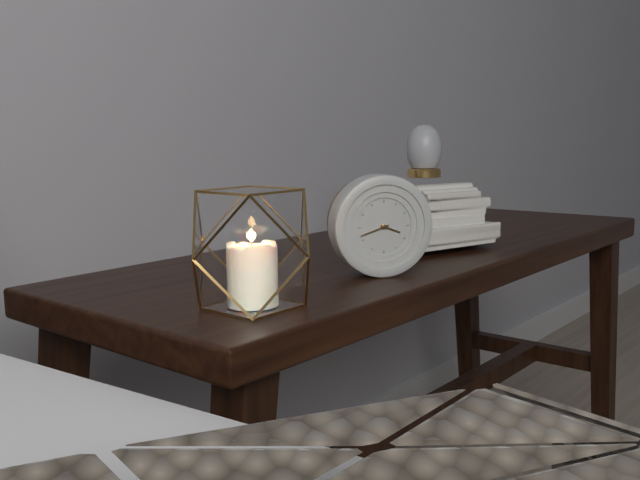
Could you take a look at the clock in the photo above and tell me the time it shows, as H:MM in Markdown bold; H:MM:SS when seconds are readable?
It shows **3:42**
